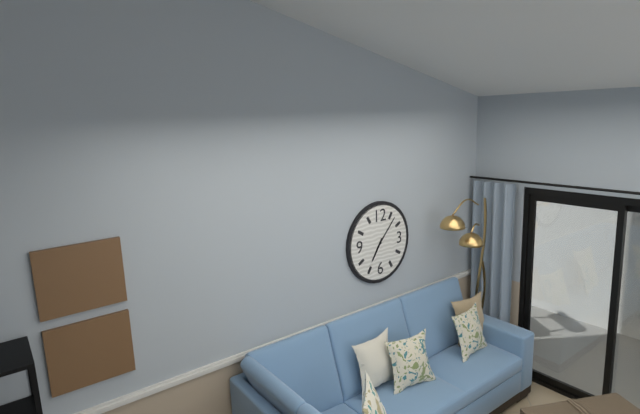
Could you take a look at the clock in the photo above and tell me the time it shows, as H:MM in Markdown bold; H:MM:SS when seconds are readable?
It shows **7:07**
